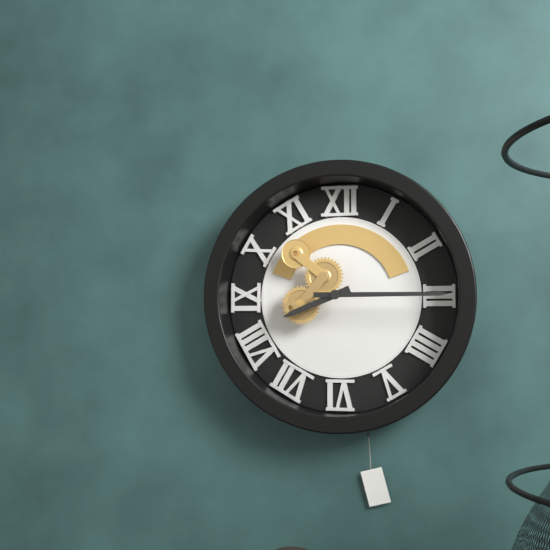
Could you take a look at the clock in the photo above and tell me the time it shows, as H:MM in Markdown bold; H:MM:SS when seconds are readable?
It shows **8:15**
